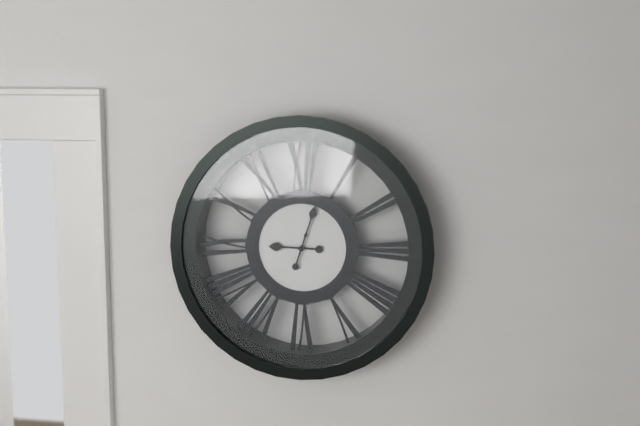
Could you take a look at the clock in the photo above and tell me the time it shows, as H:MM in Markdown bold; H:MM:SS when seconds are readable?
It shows **9:03**
